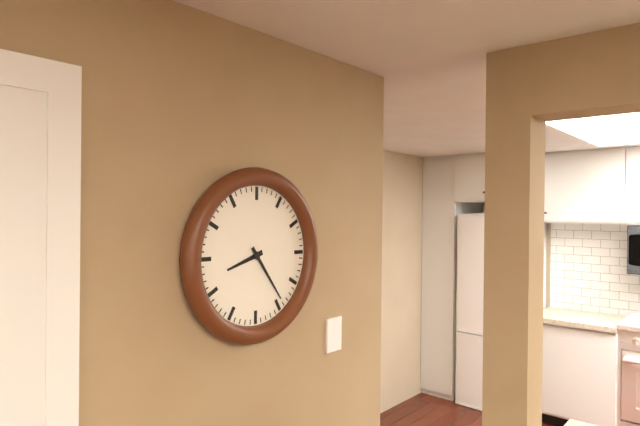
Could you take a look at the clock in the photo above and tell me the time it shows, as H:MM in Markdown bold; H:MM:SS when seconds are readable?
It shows **8:24**
